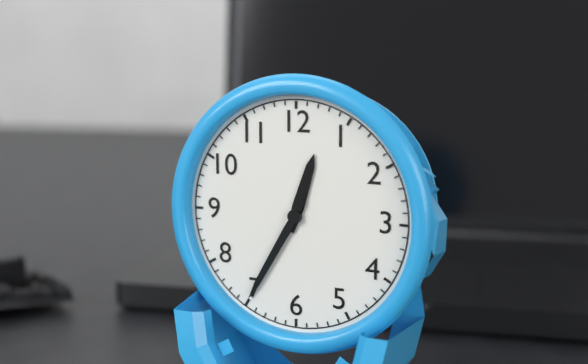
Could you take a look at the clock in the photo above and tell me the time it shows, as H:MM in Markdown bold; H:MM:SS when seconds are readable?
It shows **12:35**
